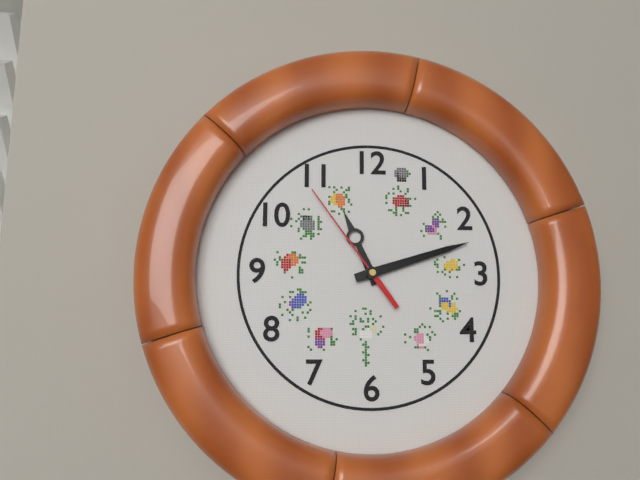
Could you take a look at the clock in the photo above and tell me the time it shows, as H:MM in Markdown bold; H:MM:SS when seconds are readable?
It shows **11:12:54**
